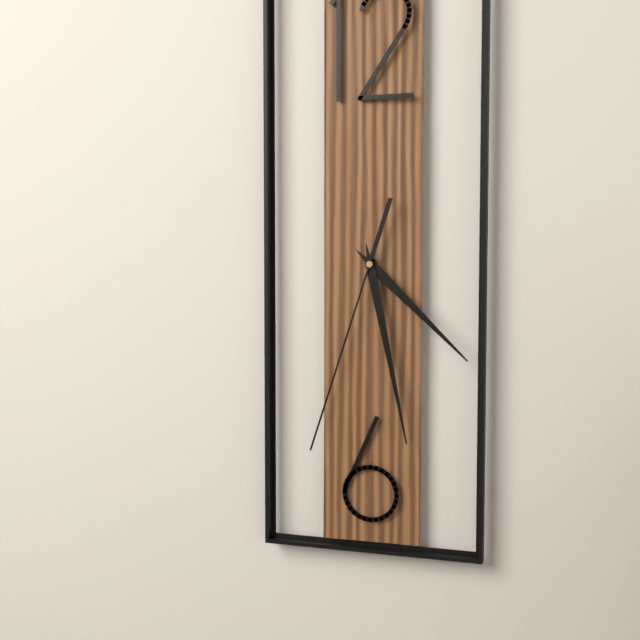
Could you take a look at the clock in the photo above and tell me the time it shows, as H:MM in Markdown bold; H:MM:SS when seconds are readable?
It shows **4:28:33**
